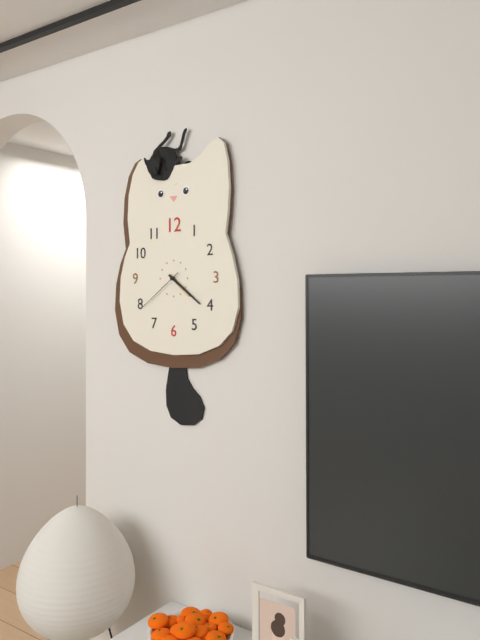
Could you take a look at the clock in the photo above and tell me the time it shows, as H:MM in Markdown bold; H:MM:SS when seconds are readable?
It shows **4:21:39**
